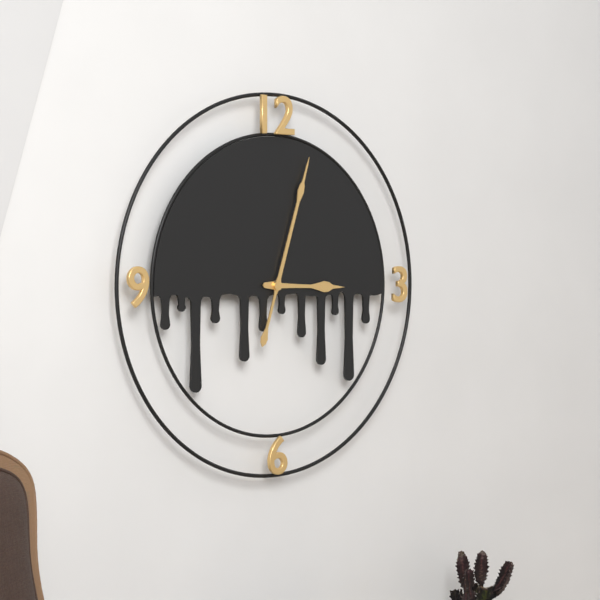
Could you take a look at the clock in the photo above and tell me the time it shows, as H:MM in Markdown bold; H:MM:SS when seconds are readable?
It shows **3:03**
